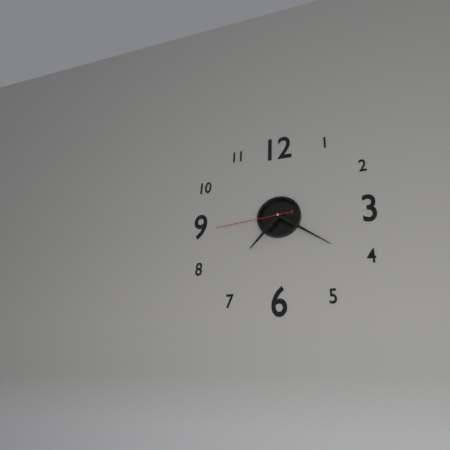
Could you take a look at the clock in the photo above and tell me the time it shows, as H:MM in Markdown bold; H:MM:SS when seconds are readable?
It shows **7:21:44**
